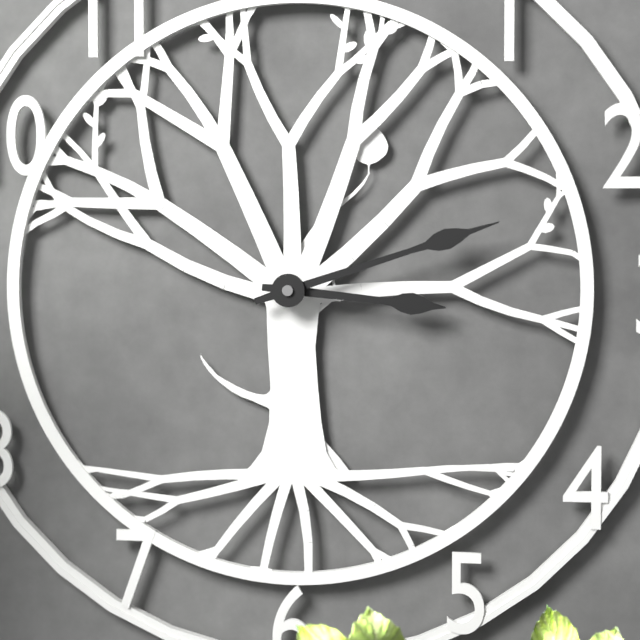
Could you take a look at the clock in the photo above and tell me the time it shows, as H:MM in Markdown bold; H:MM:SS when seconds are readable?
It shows **3:12**
